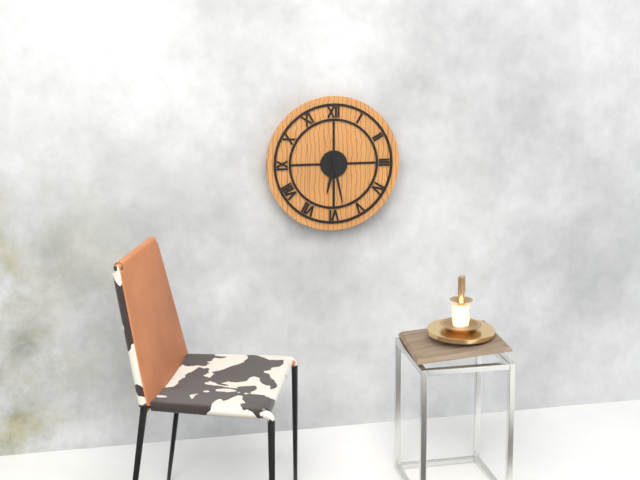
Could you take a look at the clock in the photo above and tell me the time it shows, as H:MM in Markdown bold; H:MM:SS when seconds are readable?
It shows **6:28**
